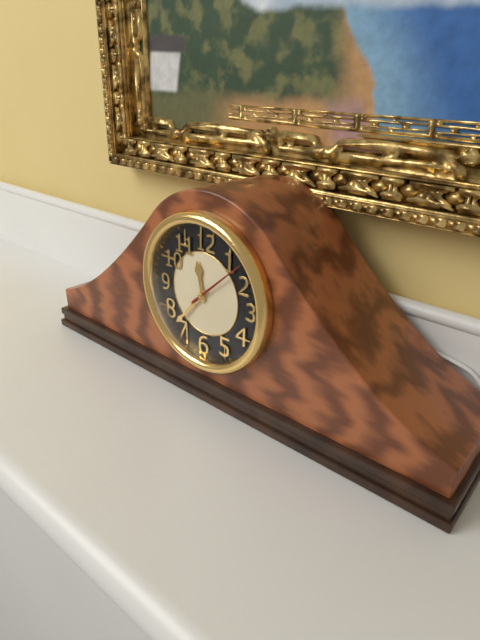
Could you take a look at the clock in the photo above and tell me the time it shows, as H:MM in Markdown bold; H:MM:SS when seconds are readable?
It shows **11:37:08**
